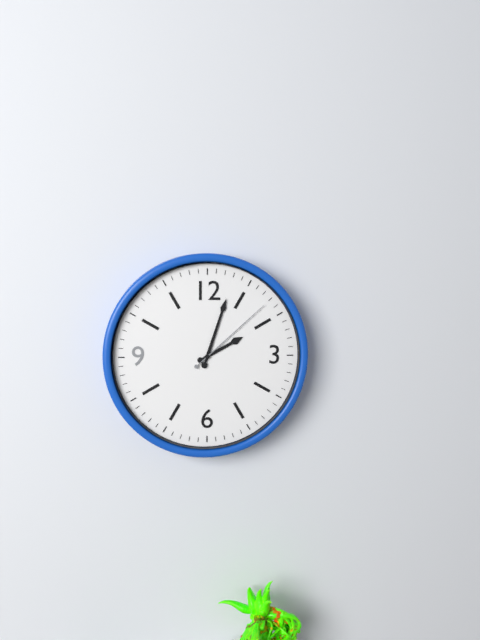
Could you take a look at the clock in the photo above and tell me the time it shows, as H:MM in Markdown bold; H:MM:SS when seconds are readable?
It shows **2:03:08**
